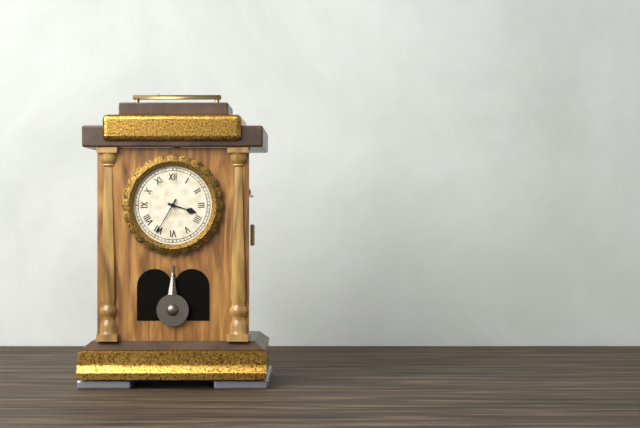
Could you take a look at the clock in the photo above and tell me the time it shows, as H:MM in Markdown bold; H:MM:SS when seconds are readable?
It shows **3:35**
